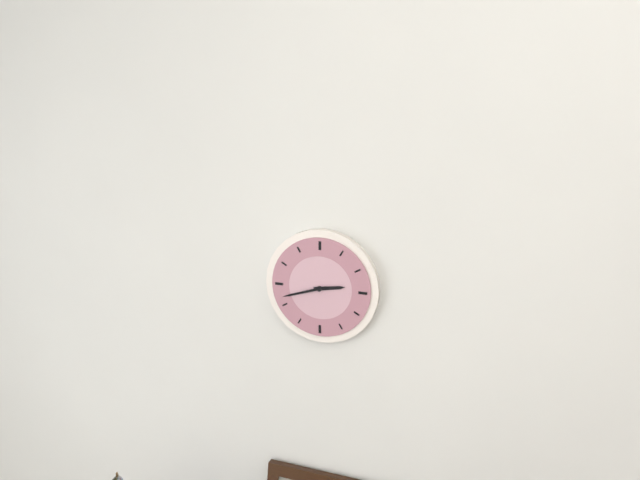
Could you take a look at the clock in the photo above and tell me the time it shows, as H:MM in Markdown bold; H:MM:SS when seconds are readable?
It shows **2:42**
